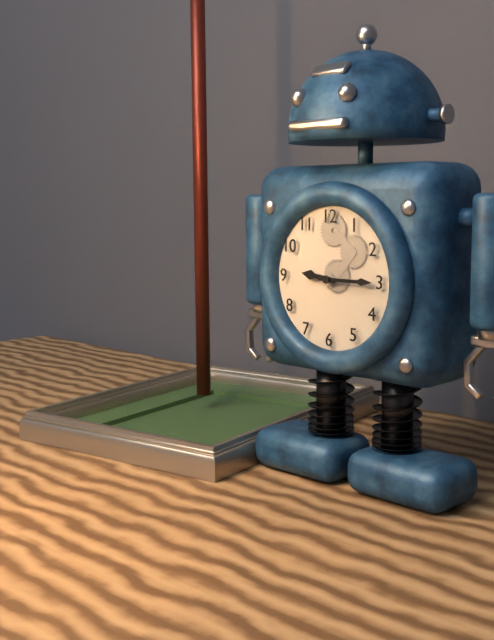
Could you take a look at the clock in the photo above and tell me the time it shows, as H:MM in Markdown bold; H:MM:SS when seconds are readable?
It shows **9:15**
